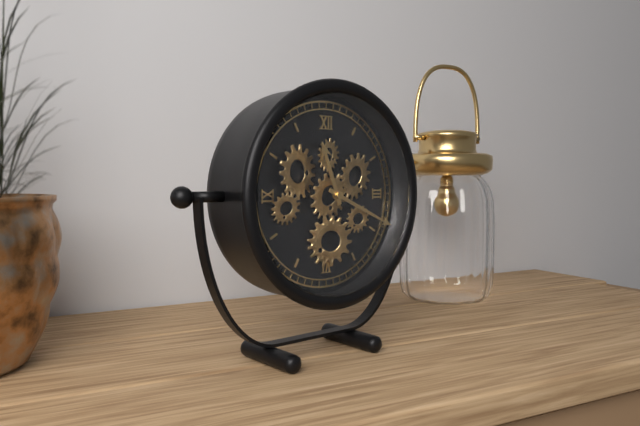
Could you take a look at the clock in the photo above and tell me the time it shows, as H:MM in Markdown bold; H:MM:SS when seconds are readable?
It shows **11:19**
